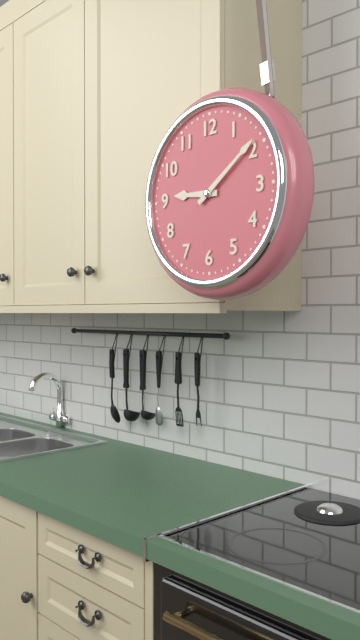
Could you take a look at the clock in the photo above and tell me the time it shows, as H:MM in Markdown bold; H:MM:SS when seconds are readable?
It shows **9:09**
